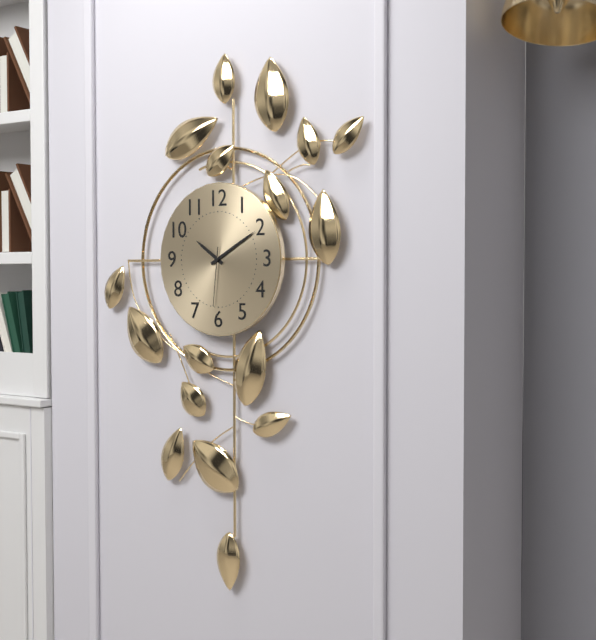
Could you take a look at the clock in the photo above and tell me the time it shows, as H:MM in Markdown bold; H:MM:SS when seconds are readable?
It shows **10:10:31**
